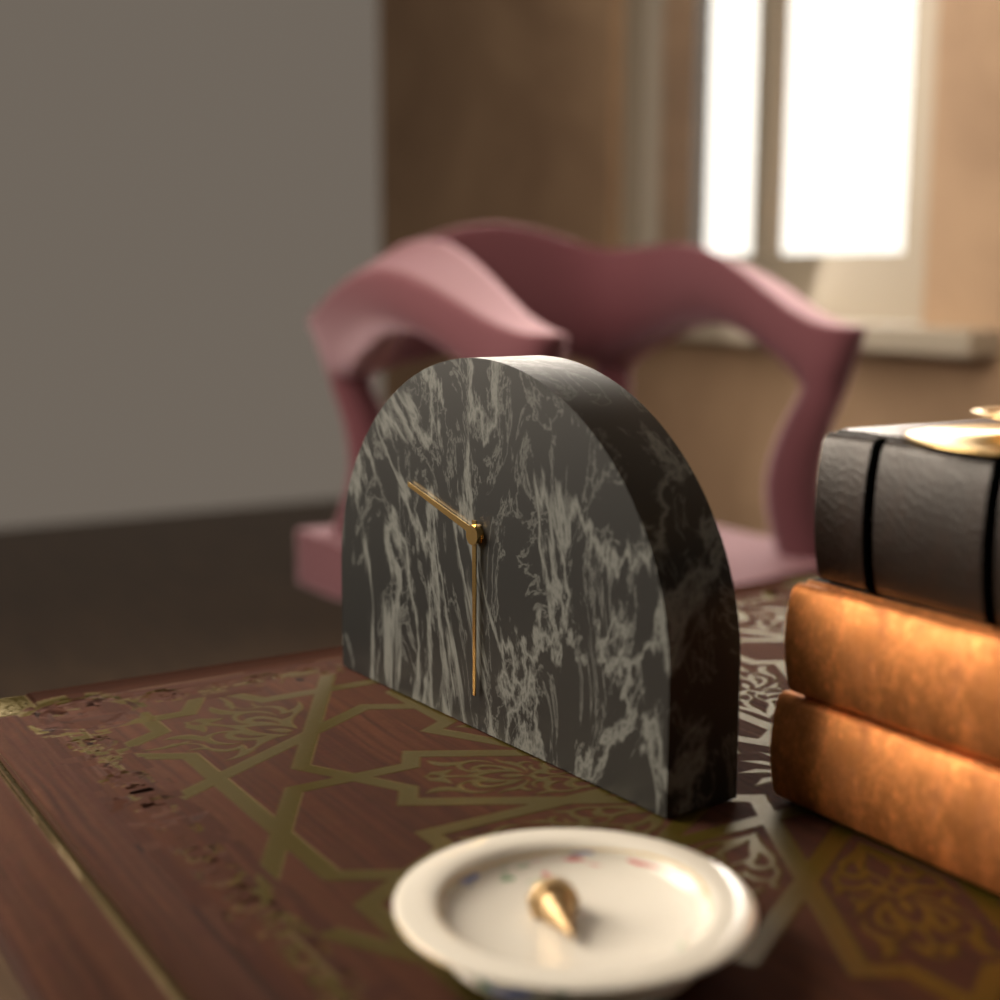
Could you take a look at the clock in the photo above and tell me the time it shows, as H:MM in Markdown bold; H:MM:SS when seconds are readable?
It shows **9:30**
